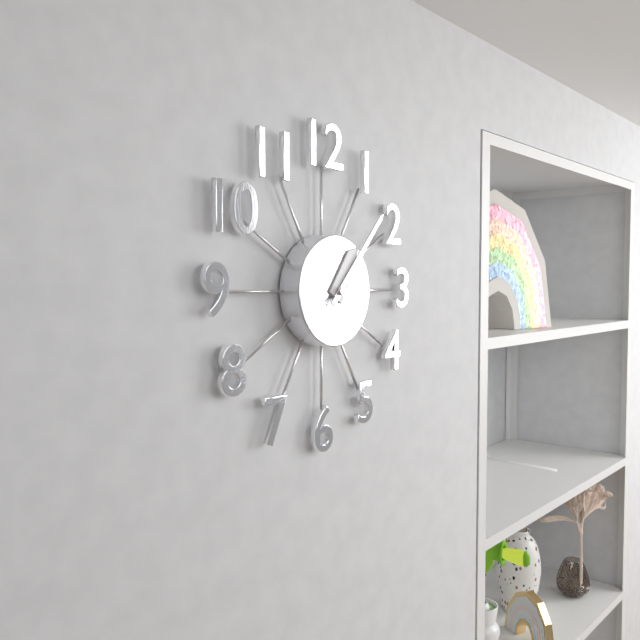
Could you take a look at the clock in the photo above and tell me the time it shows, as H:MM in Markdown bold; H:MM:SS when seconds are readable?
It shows **1:07**
